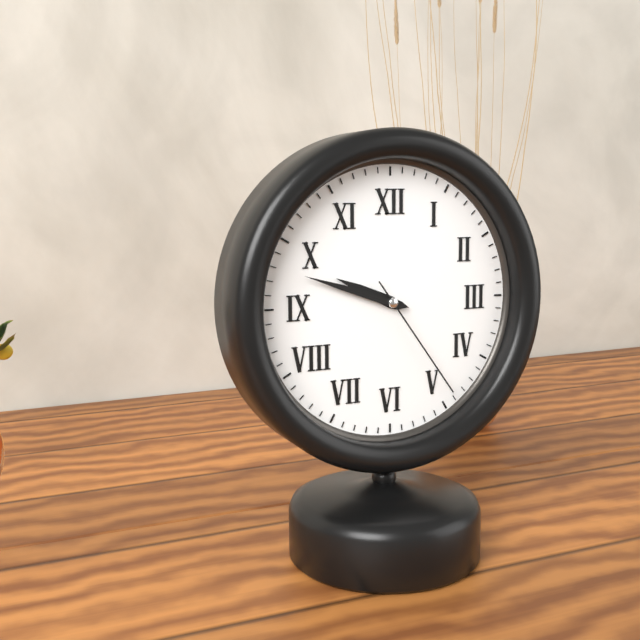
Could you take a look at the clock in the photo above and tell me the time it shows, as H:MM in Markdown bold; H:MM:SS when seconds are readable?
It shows **9:48:24**
